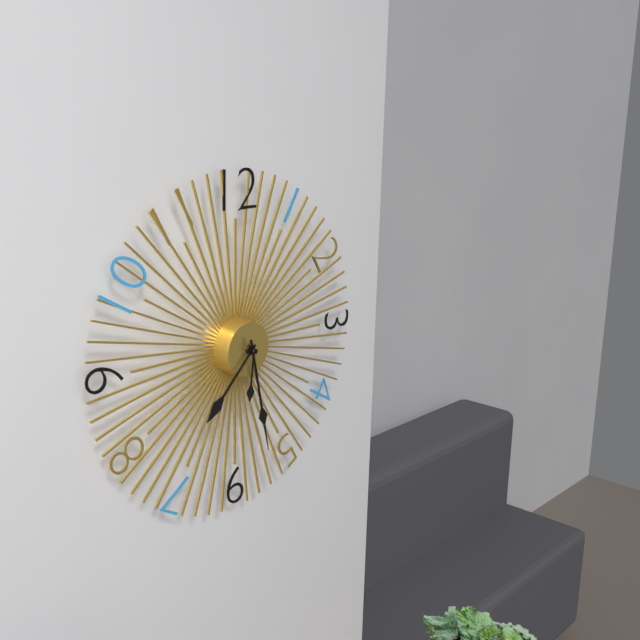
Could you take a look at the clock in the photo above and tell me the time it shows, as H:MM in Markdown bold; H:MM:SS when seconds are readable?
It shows **7:28:31**
